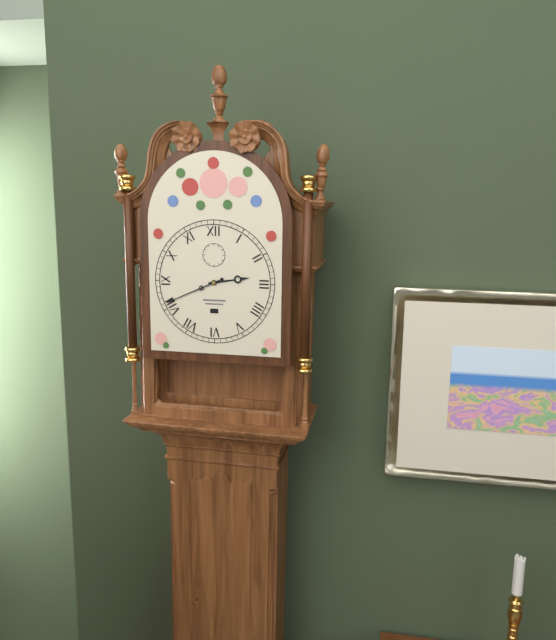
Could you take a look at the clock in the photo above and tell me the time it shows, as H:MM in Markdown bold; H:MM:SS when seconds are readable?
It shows **2:41**
